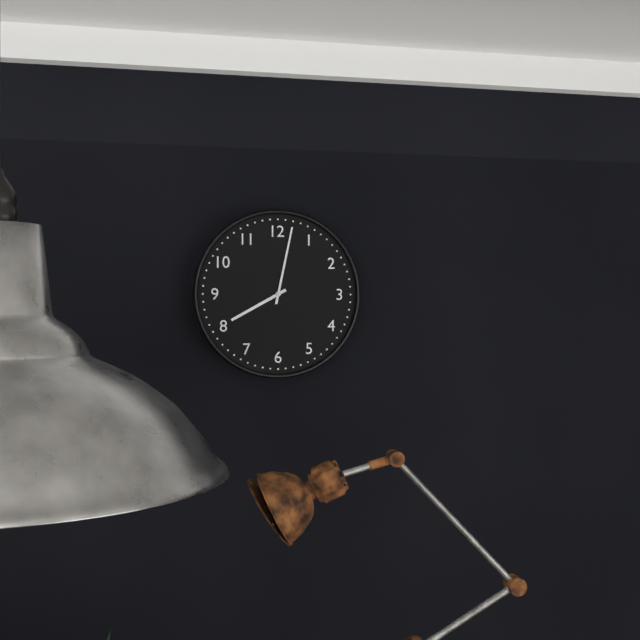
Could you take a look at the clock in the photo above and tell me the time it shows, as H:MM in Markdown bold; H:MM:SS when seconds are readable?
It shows **8:02**
